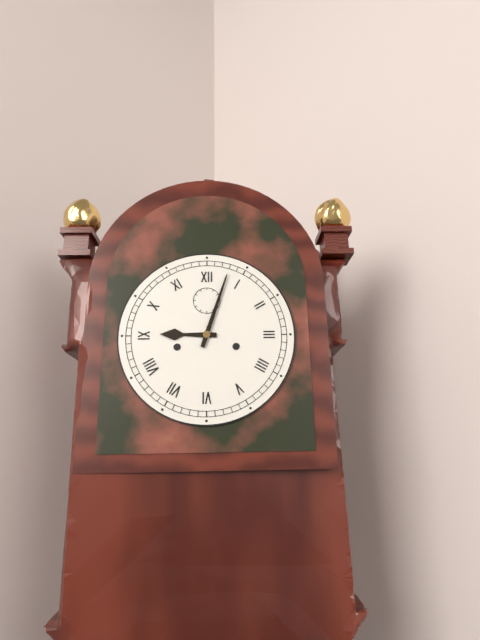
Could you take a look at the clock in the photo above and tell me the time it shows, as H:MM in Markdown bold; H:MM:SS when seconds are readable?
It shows **9:03**
